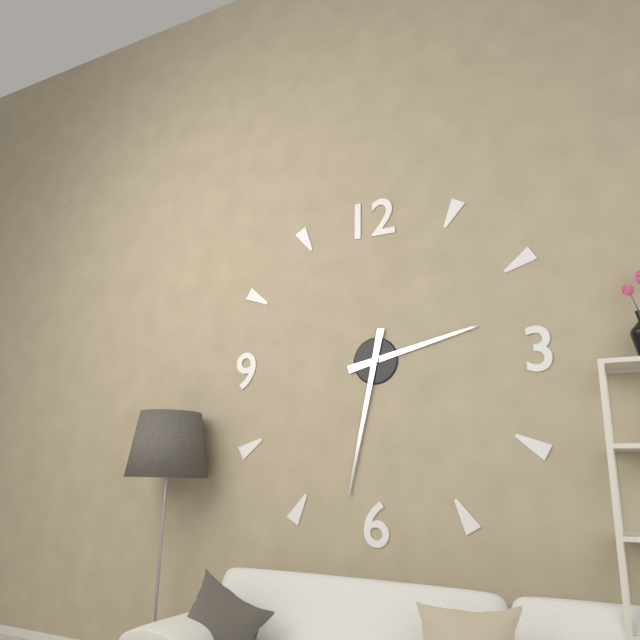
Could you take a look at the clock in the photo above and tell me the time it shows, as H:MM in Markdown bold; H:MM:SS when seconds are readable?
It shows **2:32**
